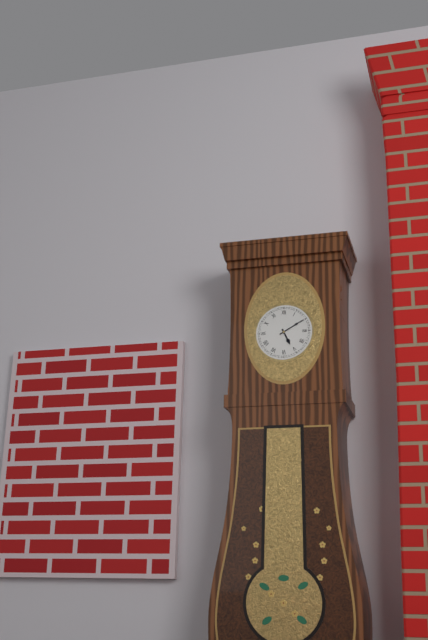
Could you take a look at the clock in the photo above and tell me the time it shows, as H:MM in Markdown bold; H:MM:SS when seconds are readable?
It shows **5:10**
